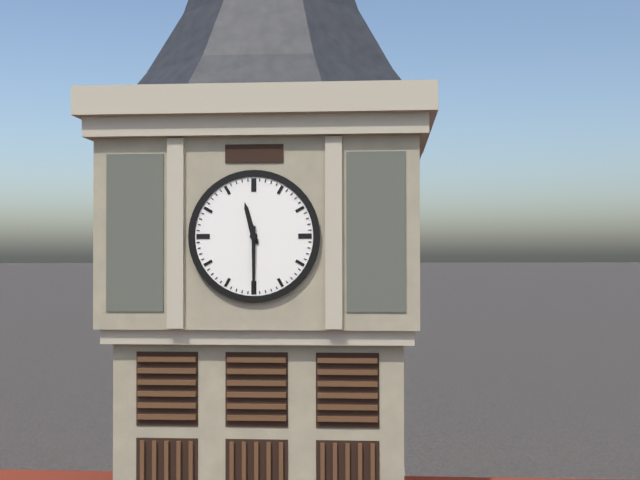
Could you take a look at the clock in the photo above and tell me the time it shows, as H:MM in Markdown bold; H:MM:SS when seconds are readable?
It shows **11:30**
